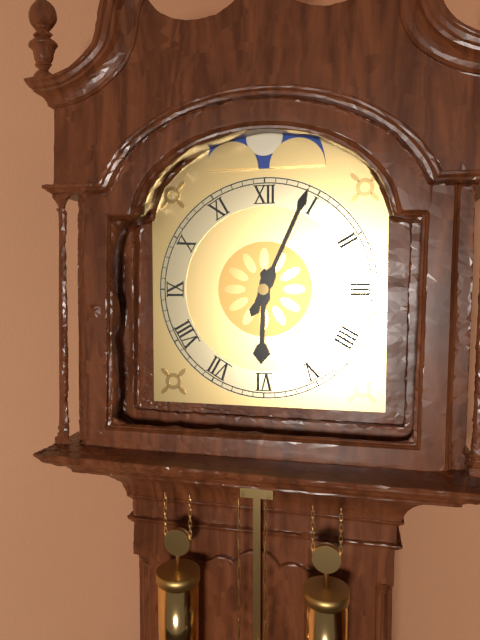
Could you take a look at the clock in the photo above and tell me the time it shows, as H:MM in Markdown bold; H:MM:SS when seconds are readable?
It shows **6:04**
